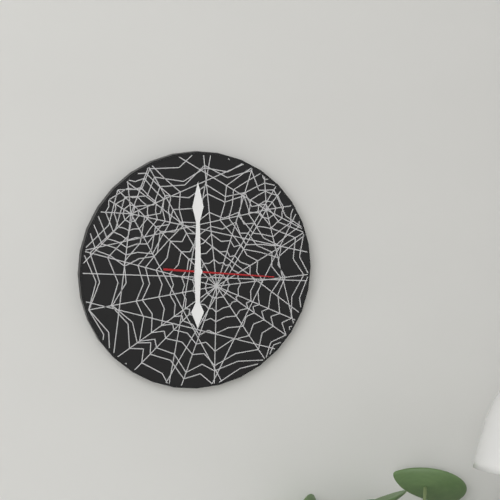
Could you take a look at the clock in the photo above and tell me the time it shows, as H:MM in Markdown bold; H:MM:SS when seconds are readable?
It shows **6:00:16**
